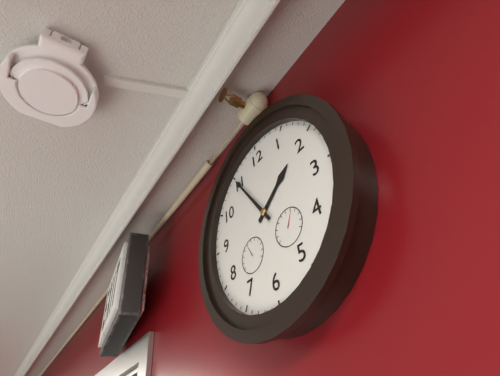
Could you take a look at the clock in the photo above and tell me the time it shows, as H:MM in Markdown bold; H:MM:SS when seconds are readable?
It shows **1:55**
